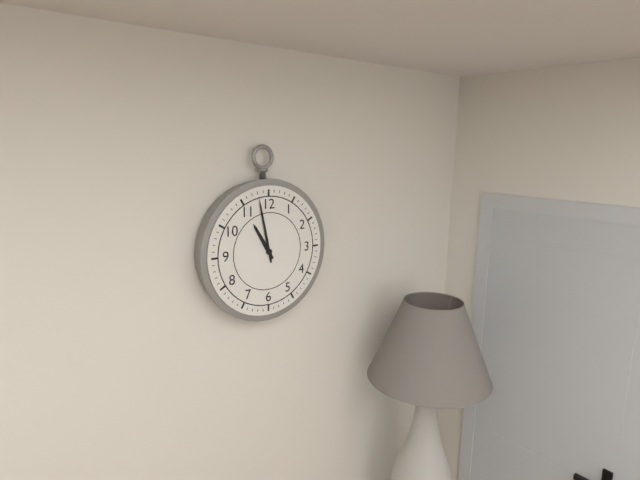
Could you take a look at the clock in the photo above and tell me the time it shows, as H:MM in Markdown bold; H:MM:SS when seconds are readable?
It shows **10:58**
